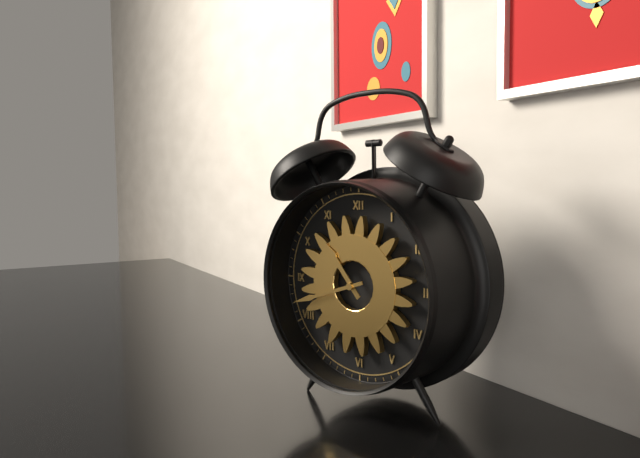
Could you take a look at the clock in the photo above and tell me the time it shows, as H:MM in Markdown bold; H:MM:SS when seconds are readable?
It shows **10:42**
